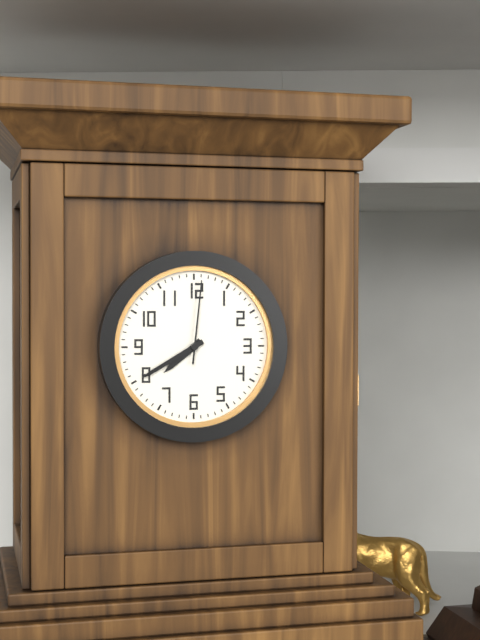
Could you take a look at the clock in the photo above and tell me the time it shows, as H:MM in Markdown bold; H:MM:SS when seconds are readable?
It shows **7:40:01**
